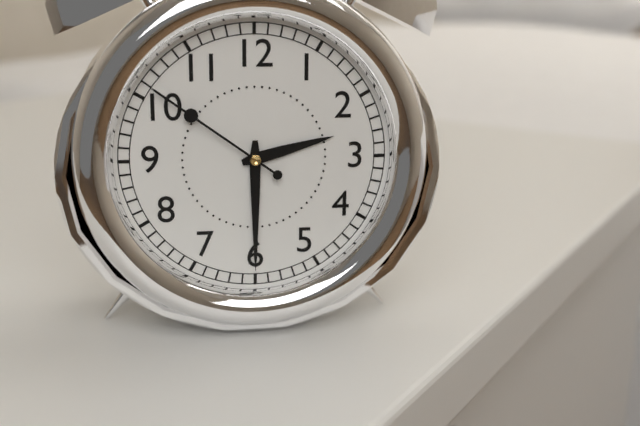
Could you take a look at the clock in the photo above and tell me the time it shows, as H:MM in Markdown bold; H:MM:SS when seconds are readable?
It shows **2:30:51**
